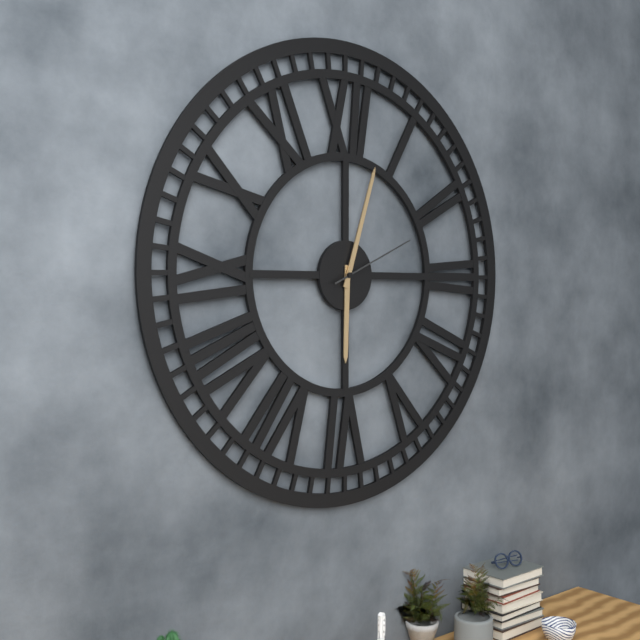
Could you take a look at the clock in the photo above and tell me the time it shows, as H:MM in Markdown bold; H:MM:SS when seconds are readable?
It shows **6:03:11**
